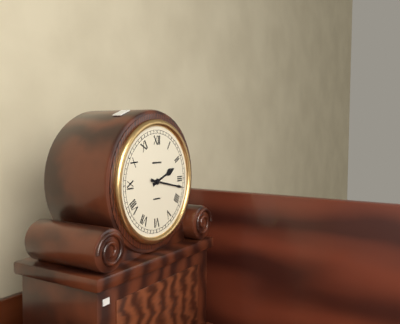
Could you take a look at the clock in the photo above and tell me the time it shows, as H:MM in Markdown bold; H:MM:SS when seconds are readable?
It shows **2:17**
